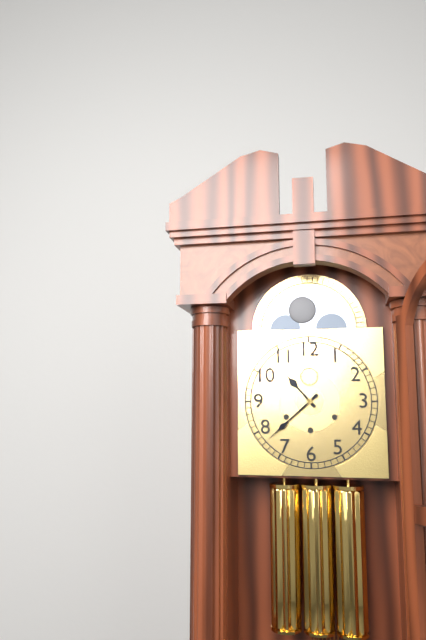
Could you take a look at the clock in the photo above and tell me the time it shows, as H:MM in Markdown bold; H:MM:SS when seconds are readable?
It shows **10:38**
